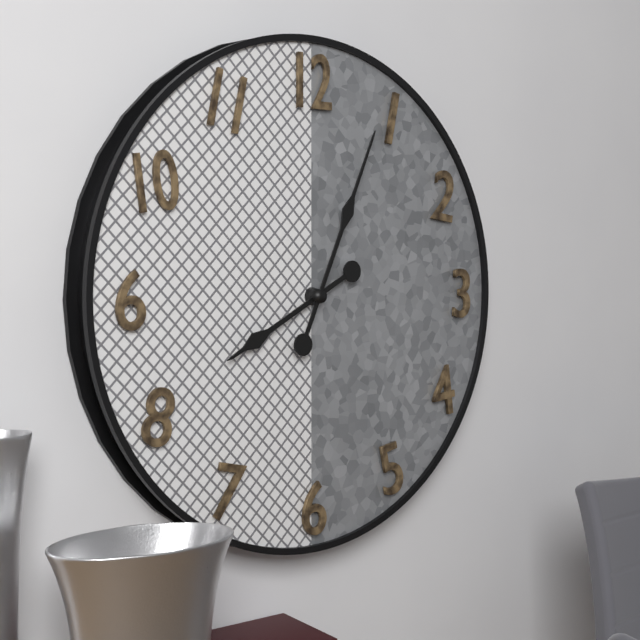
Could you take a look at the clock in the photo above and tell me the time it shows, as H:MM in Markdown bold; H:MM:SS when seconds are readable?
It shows **8:04**
